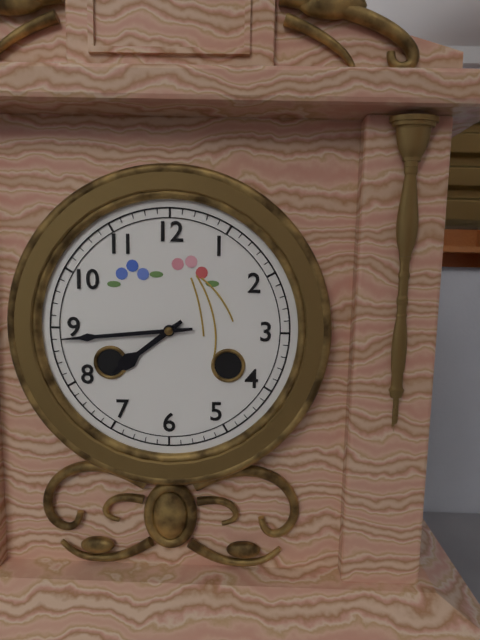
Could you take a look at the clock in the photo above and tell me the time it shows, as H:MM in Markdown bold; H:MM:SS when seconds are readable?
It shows **7:44**
